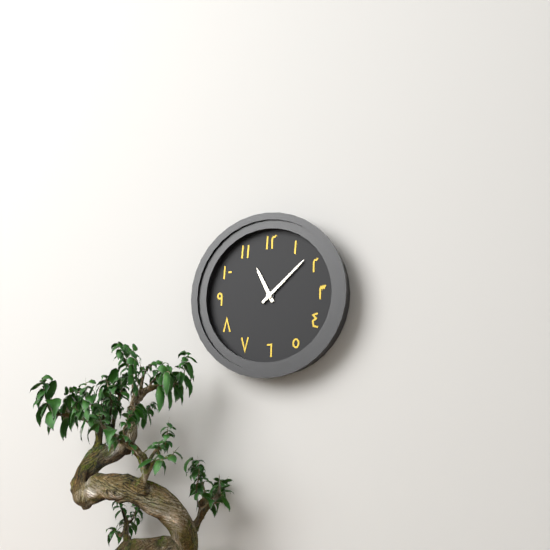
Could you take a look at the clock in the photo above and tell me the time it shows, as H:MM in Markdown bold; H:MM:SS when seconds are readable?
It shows **11:08**
